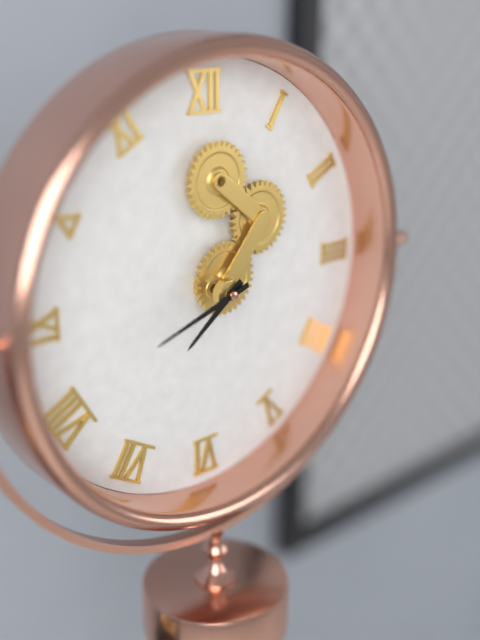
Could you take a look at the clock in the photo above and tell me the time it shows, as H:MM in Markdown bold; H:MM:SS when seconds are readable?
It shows **7:42**
